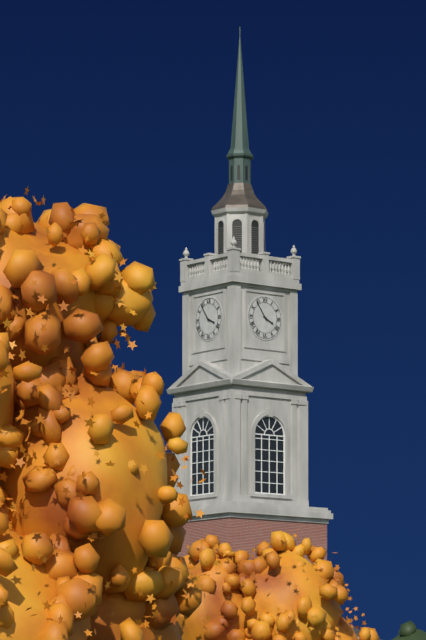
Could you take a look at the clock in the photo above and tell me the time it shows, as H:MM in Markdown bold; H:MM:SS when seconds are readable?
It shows **3:54**
